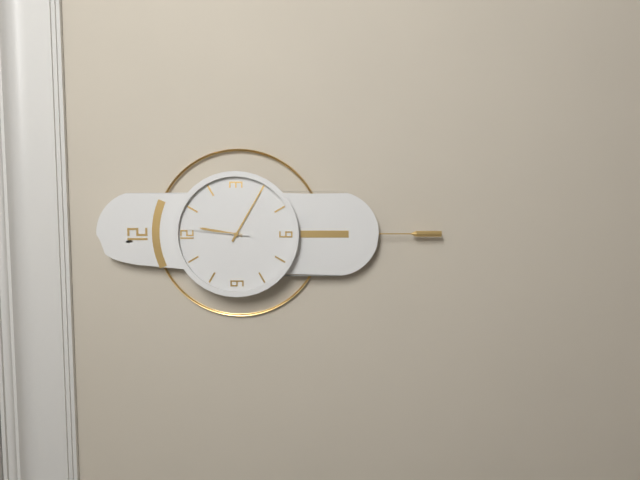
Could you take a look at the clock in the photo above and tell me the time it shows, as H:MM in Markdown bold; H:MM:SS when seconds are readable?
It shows **12:20:01**
